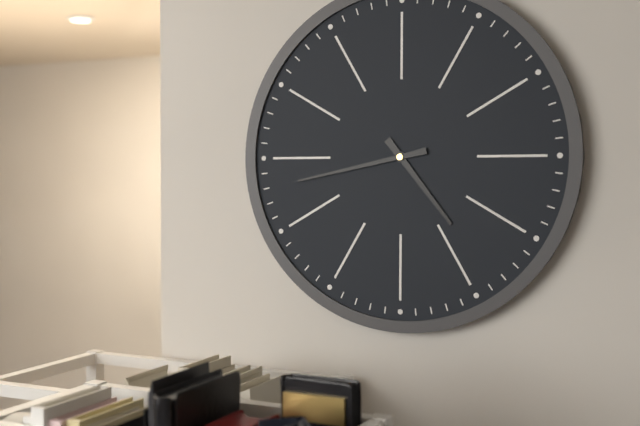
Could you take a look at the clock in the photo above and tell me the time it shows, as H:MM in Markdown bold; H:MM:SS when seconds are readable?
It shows **4:43**
